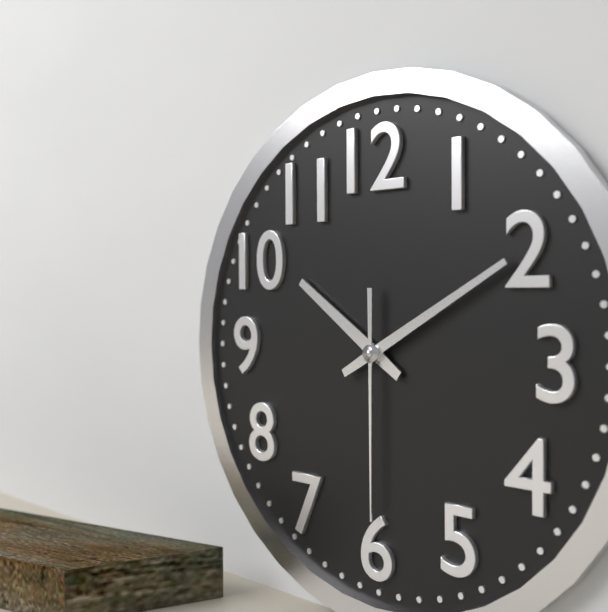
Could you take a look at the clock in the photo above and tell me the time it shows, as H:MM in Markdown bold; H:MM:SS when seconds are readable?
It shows **10:10:30**
